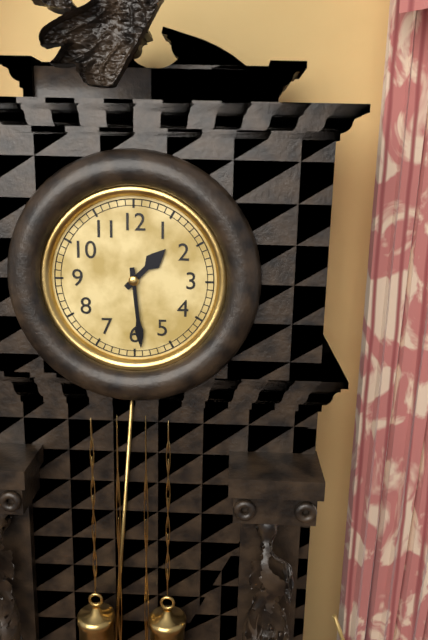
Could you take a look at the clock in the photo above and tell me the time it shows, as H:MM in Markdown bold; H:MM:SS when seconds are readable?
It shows **1:29**
